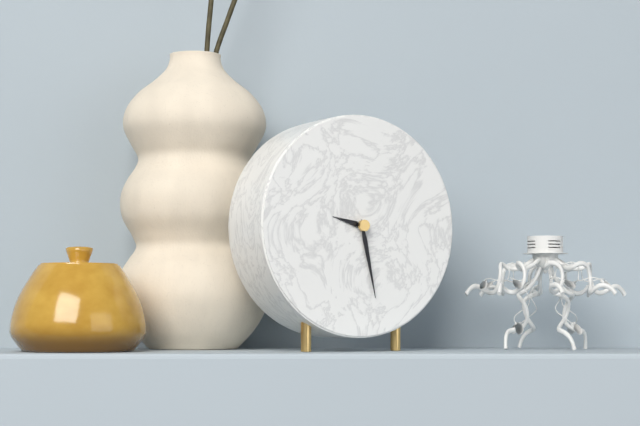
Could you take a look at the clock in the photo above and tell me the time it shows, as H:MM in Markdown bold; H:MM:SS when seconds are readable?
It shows **9:28**
